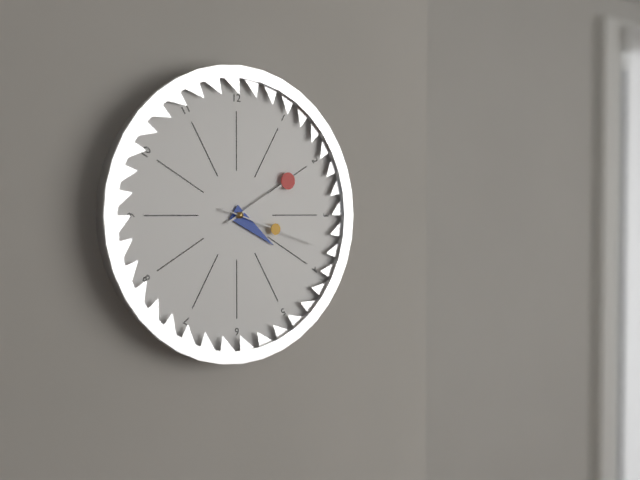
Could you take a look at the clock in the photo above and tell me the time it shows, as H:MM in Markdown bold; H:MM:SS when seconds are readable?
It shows **4:10:18**
